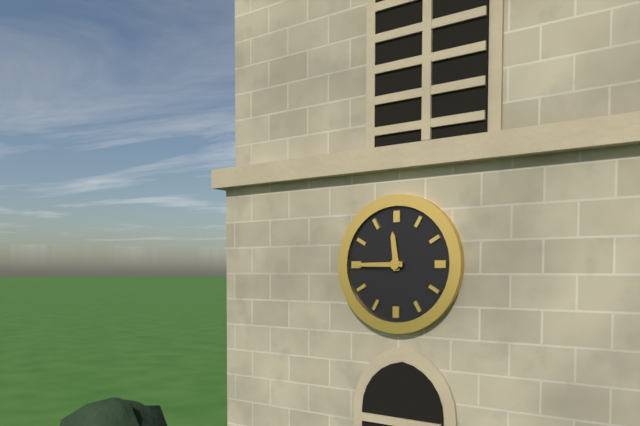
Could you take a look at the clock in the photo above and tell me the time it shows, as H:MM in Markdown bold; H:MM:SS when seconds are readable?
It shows **11:45**
